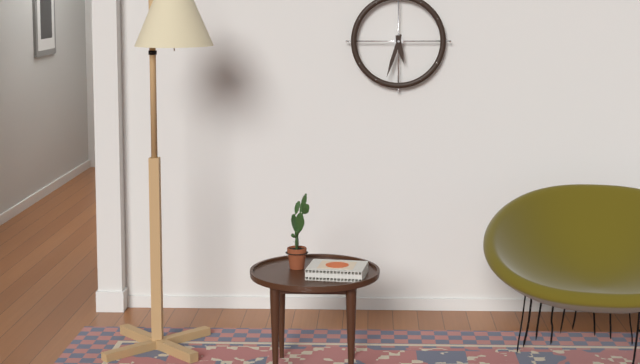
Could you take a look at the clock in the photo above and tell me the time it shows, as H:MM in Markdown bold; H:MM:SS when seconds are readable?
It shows **5:33**
